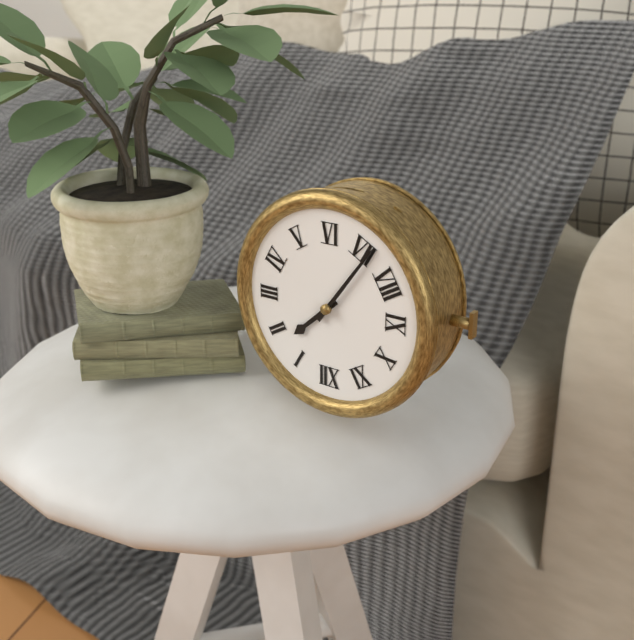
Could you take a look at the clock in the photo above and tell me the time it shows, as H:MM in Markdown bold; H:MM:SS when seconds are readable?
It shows **1:36**
